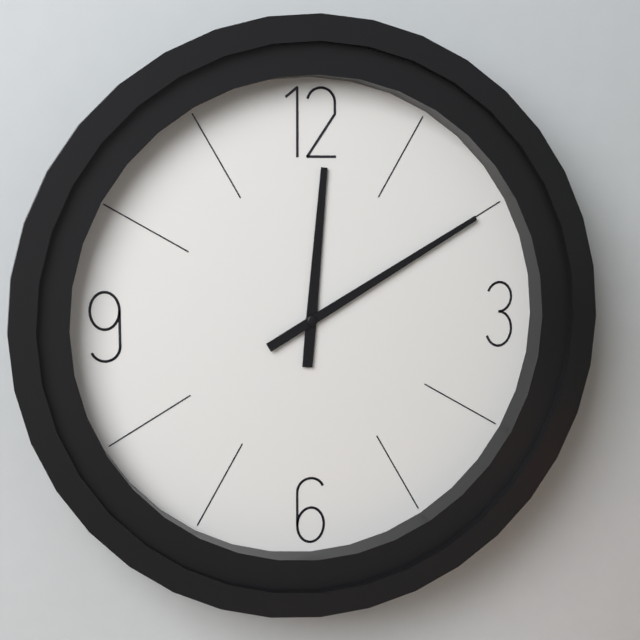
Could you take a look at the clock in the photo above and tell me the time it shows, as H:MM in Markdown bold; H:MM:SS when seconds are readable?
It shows **12:10**
